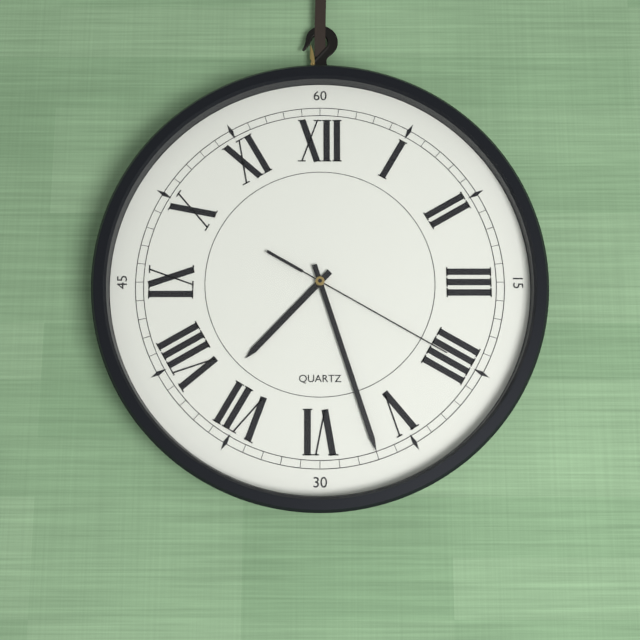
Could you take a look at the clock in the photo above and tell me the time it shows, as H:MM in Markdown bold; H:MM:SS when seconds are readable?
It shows **7:27:20**
